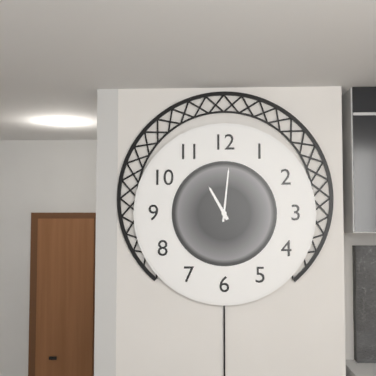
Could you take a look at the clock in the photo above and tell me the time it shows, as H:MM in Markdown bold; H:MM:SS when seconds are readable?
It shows **11:01**
